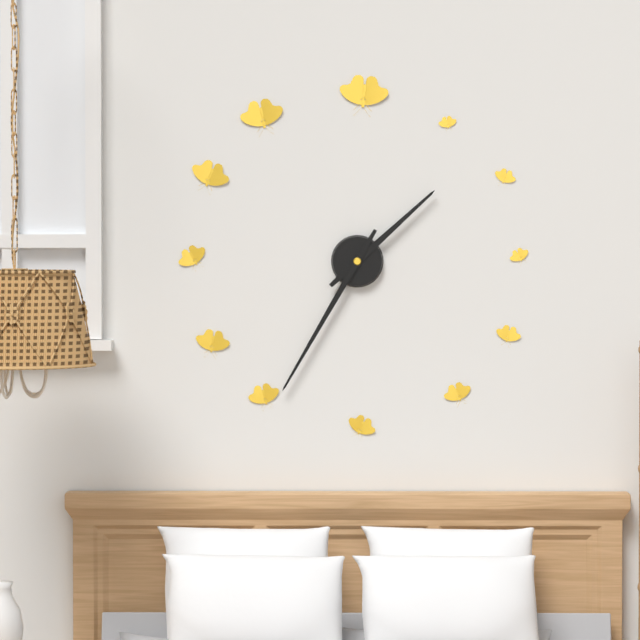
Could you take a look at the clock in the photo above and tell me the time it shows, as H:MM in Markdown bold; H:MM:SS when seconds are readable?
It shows **1:35**
